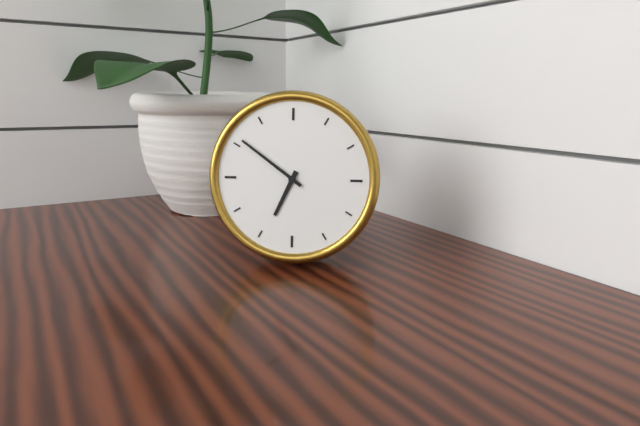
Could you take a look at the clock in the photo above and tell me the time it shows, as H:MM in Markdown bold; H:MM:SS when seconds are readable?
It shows **6:51**
